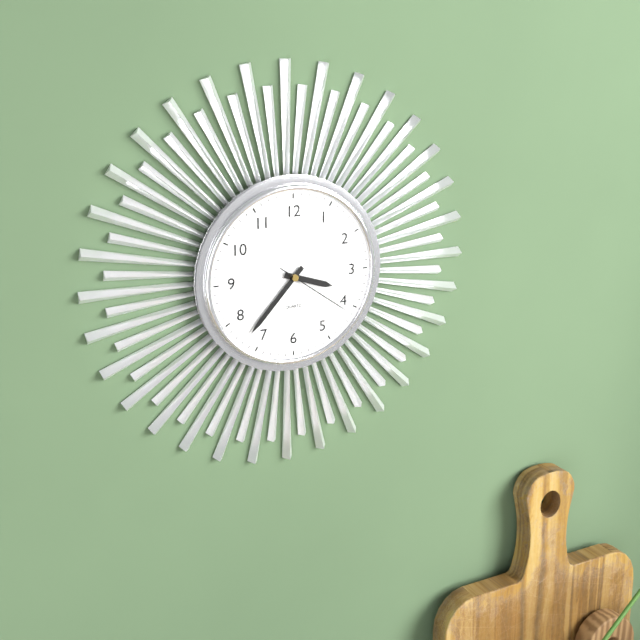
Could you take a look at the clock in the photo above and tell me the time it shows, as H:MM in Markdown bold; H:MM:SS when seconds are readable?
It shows **3:37:21**
